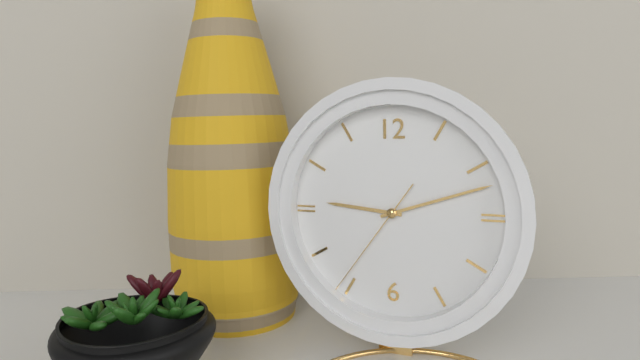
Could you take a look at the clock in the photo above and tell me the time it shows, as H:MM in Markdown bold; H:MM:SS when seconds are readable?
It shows **9:12:36**
